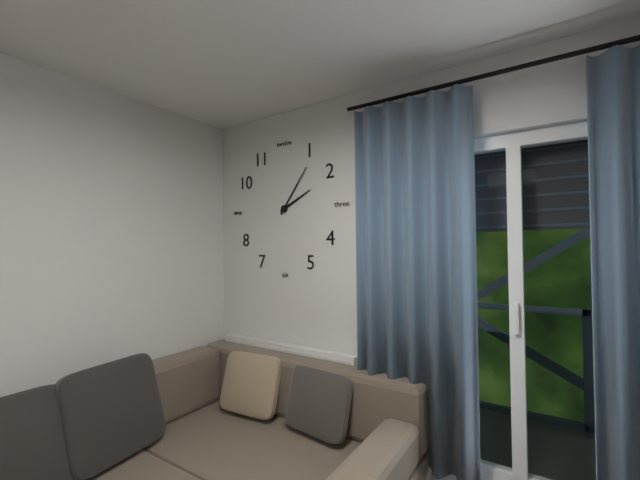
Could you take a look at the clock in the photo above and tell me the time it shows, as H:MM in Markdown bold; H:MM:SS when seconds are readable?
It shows **2:06**
